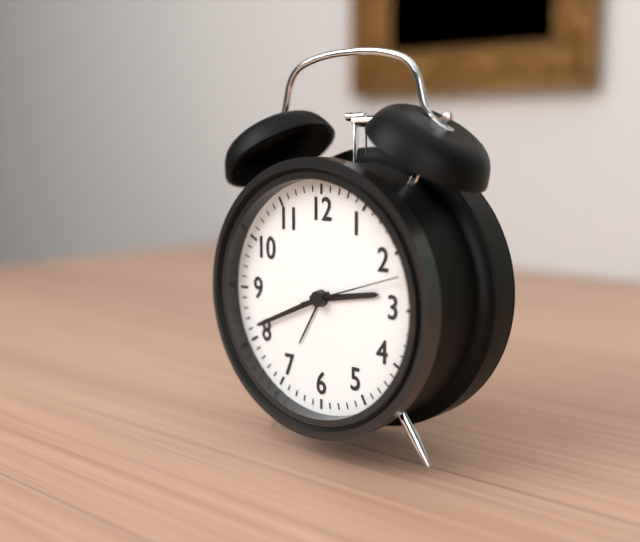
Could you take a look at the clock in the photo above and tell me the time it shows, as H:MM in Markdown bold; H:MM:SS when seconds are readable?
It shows **2:41:12**
